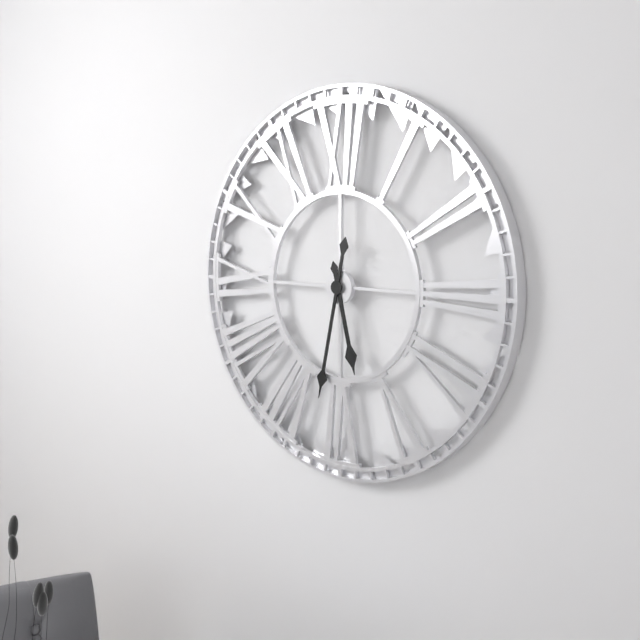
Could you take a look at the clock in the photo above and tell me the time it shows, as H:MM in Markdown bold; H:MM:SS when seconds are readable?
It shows **5:32**
